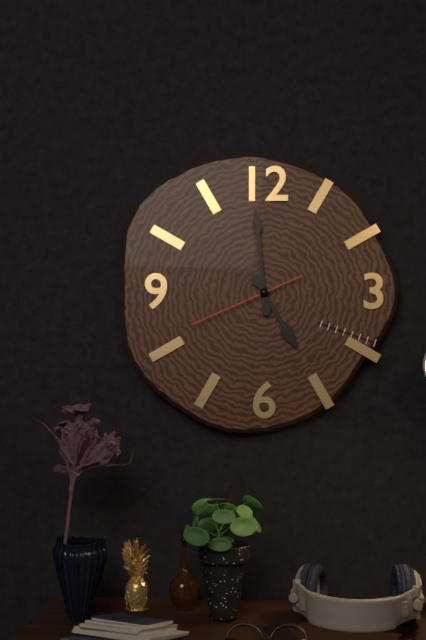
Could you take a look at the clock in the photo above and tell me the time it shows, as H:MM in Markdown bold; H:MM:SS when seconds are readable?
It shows **4:59:41**
